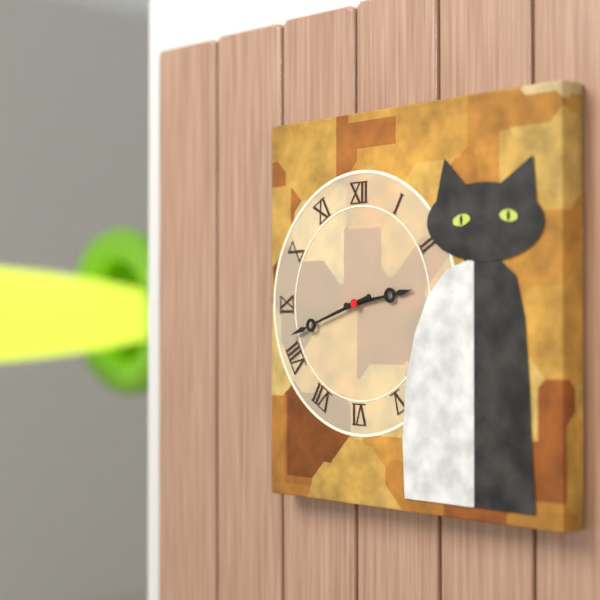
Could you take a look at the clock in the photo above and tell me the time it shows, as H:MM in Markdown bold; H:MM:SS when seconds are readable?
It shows **2:42**
